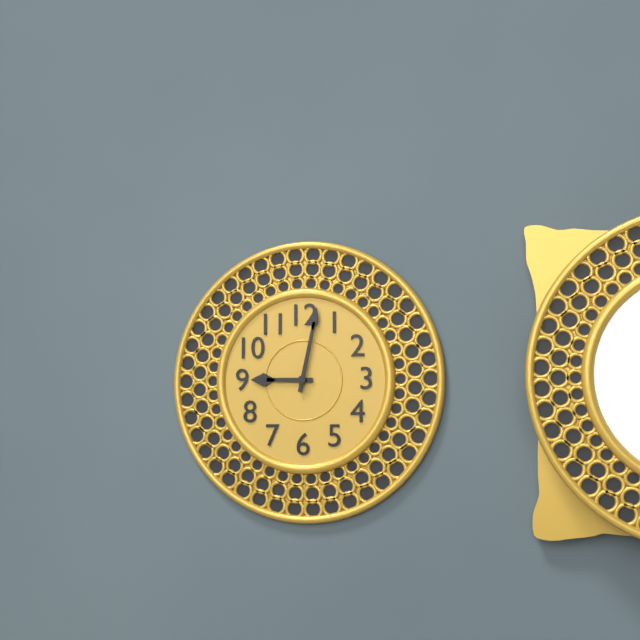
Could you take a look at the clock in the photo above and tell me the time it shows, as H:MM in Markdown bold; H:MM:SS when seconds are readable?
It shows **9:02**
